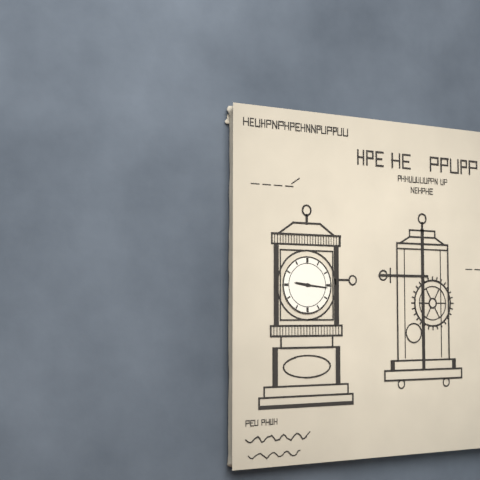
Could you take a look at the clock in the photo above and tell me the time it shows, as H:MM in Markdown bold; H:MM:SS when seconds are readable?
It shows **9:16**
